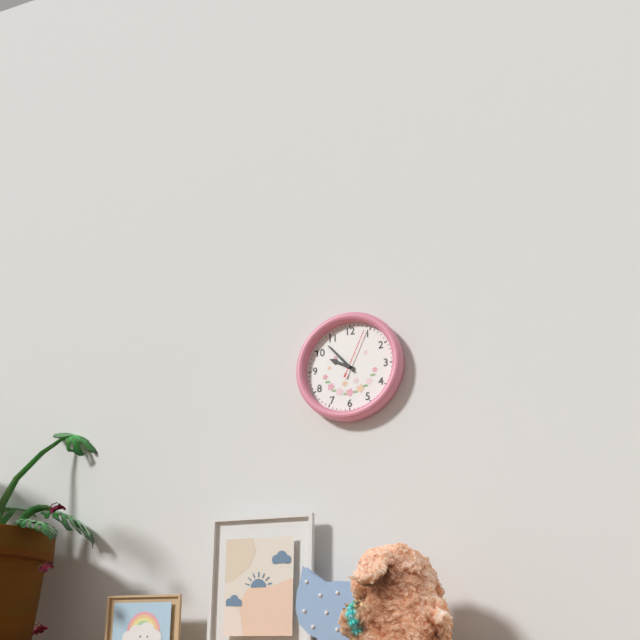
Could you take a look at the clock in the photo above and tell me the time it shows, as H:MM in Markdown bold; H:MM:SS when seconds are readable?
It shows **9:53**
